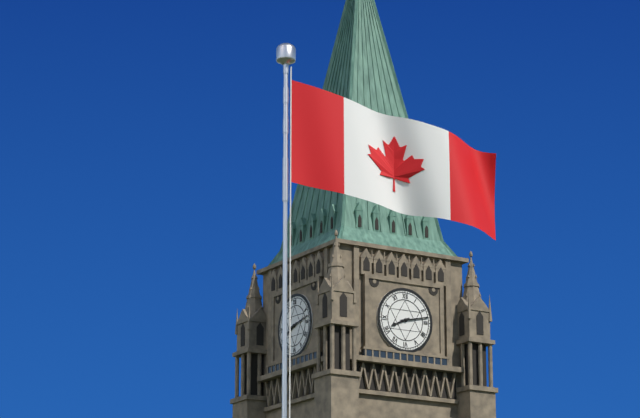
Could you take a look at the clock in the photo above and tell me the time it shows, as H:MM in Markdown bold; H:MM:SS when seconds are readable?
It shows **8:13**
